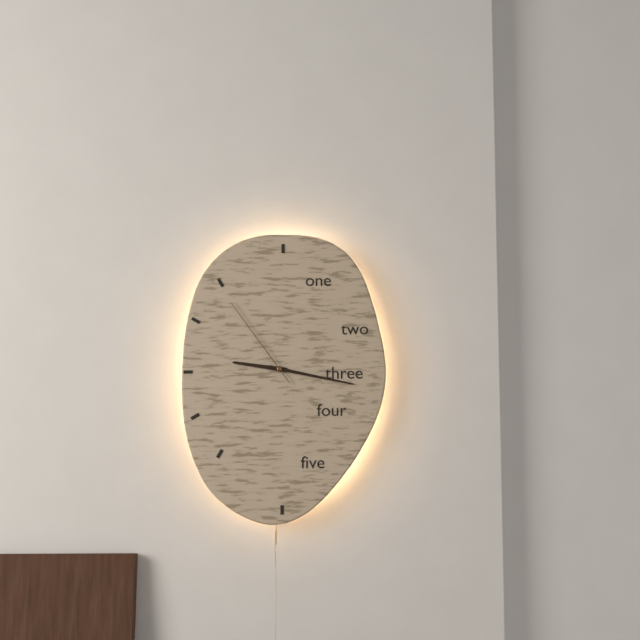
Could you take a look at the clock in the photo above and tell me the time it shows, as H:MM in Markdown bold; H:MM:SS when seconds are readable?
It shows **9:17:54**
